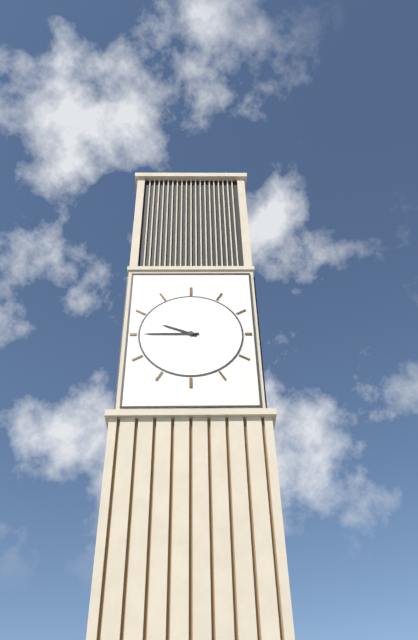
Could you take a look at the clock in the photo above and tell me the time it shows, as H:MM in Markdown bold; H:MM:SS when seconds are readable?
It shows **9:45**
